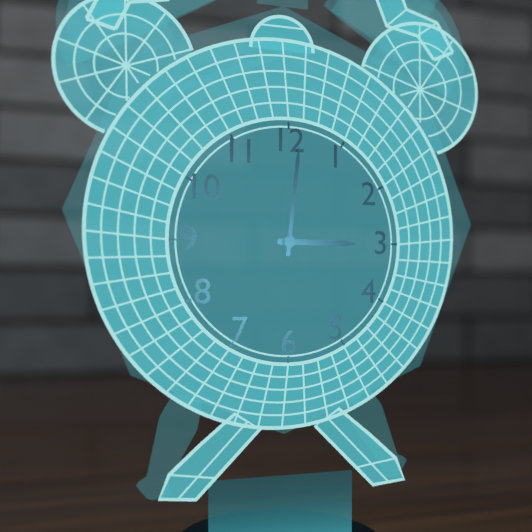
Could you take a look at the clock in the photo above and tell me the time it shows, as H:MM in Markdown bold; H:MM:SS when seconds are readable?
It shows **3:01**
